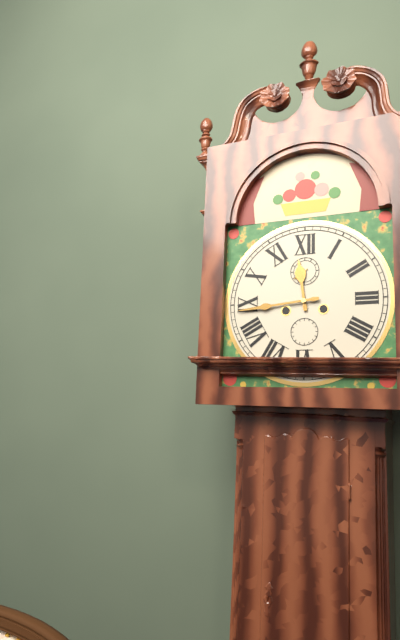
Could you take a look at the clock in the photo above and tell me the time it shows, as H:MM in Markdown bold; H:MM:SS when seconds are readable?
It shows **11:44**
